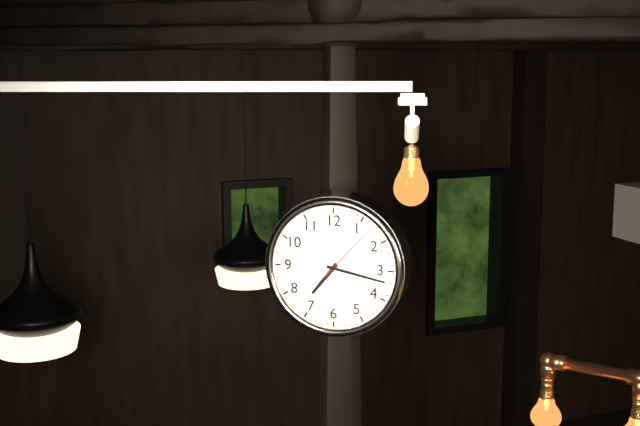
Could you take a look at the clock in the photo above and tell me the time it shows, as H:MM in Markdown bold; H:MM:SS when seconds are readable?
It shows **7:17:07**
